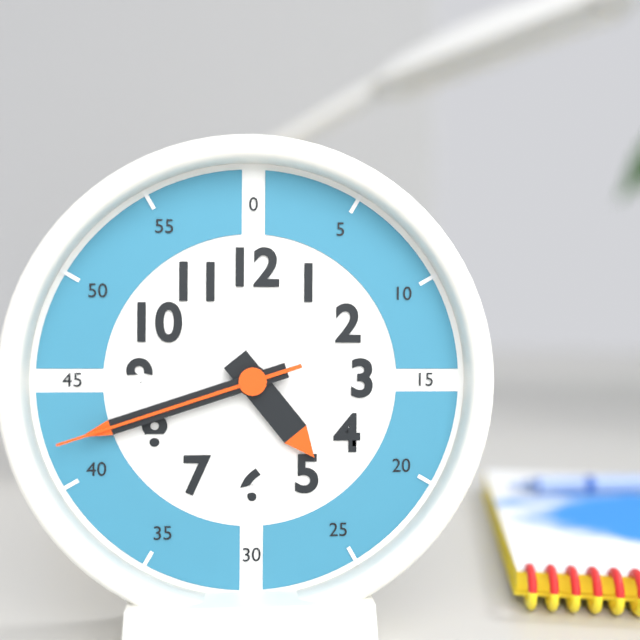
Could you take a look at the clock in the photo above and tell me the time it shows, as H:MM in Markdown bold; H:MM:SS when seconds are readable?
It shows **4:42:42**
